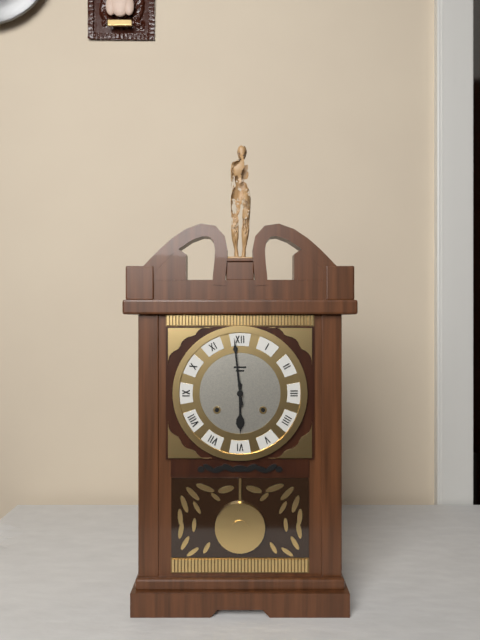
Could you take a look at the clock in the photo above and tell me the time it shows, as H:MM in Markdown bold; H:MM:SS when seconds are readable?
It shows **5:59**
